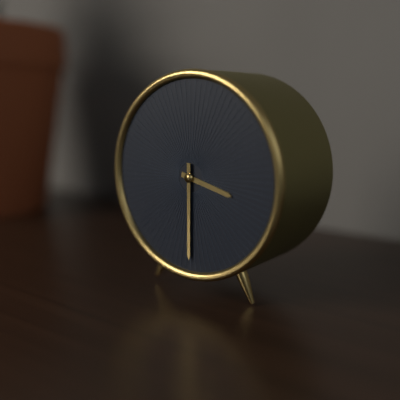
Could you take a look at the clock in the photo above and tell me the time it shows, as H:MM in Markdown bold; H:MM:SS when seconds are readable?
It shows **3:30**
